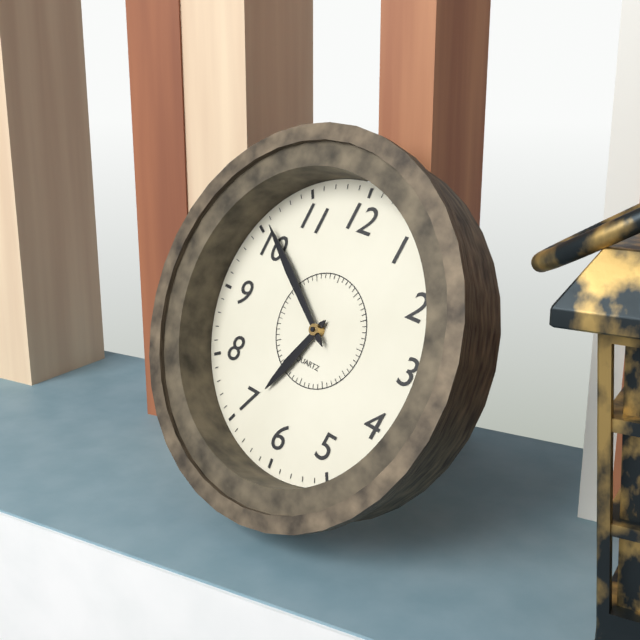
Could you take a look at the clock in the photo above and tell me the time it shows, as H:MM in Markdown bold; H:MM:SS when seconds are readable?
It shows **6:51**
